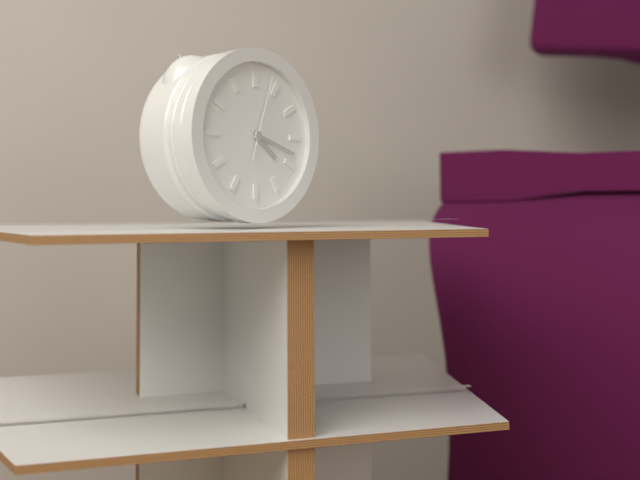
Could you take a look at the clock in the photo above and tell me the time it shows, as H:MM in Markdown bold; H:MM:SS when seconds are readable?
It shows **4:18:03**
